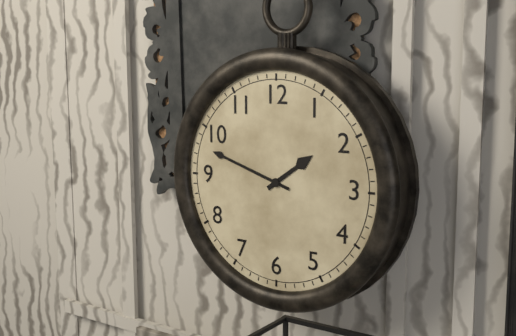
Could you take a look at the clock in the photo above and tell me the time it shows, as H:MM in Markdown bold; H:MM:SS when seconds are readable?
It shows **1:48**
